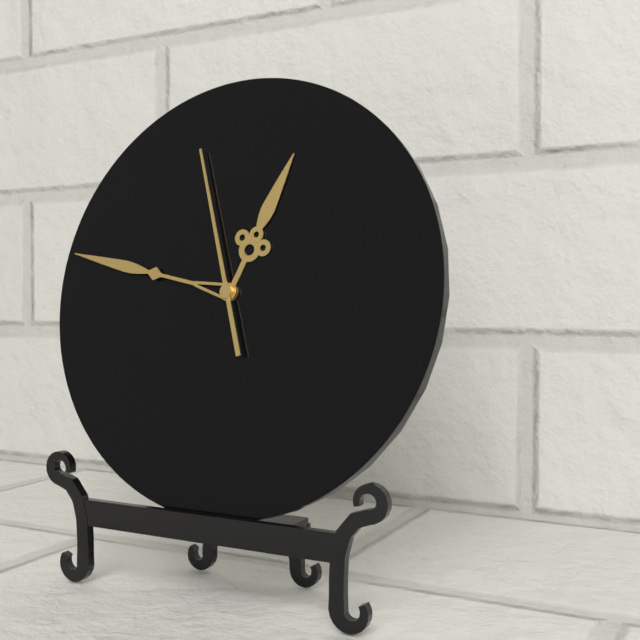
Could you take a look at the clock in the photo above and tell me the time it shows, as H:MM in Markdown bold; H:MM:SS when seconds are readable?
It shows **12:47:57**
